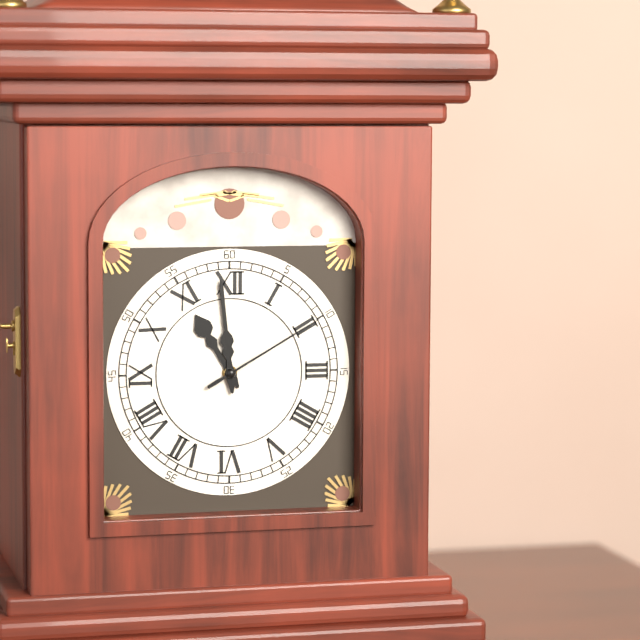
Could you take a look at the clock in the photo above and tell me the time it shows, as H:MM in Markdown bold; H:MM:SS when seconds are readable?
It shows **10:59:10**
